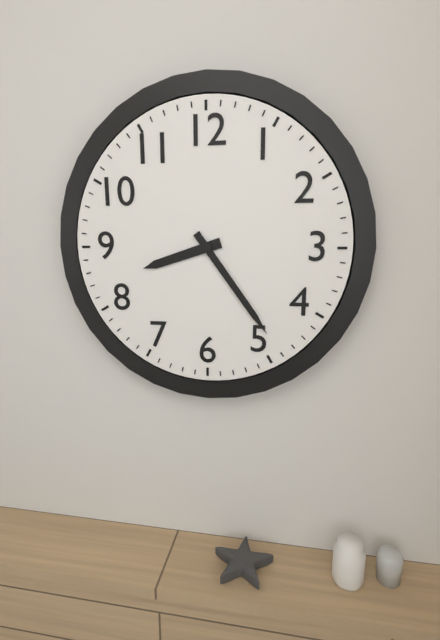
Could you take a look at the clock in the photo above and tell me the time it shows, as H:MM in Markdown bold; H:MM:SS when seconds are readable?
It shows **8:24**
